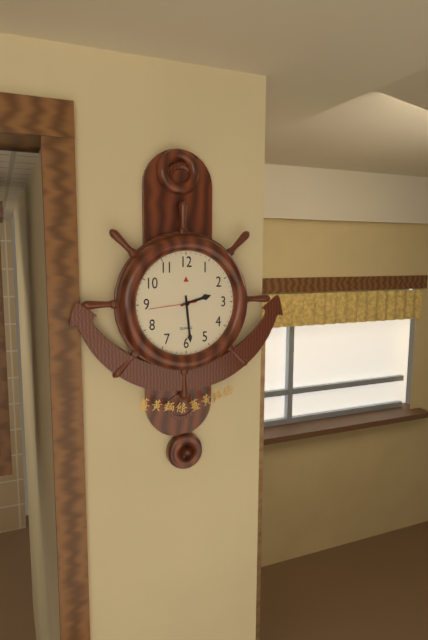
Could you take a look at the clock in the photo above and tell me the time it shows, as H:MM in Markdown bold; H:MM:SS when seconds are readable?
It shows **2:29**
